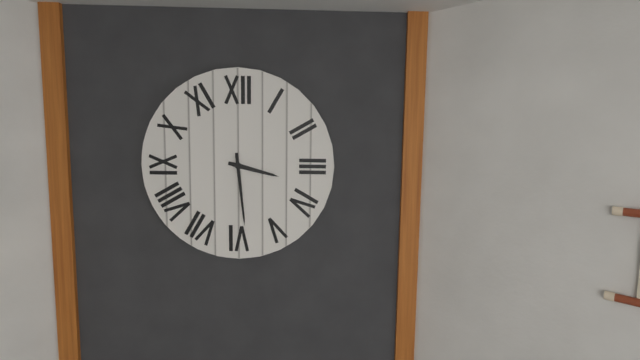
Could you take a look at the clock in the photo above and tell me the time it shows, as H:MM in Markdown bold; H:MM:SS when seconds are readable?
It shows **3:29**
